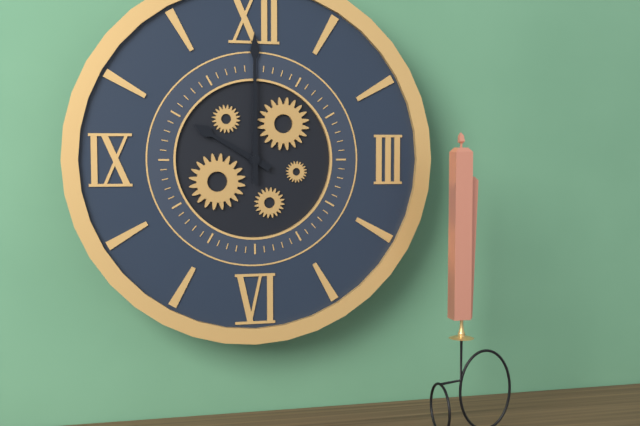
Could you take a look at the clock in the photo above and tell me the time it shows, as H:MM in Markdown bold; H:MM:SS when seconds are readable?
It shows **10:00**
